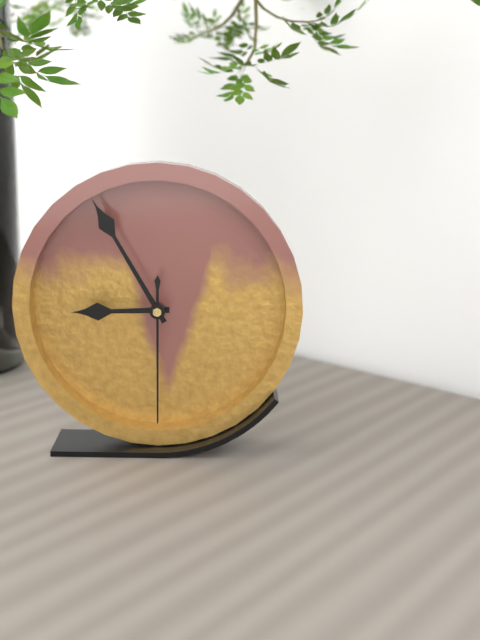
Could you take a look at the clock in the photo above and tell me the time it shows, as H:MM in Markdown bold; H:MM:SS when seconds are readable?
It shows **8:55:30**
